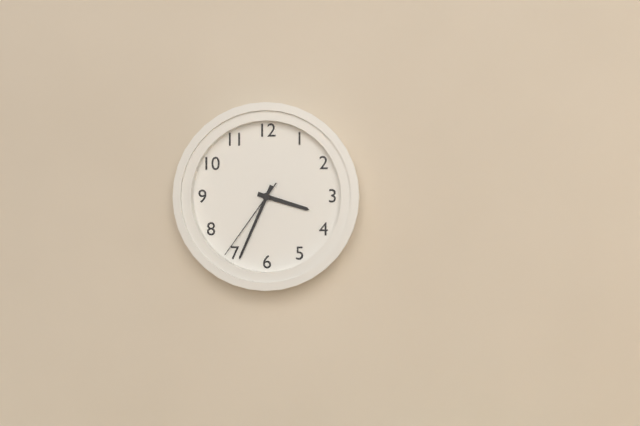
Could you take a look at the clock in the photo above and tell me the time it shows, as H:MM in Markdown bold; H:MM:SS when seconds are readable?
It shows **3:34:36**
